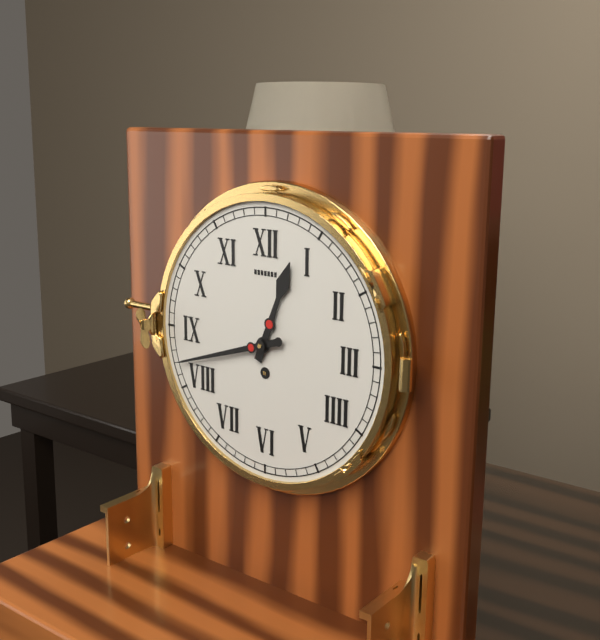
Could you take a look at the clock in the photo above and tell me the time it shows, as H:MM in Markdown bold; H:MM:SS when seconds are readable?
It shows **12:42**
